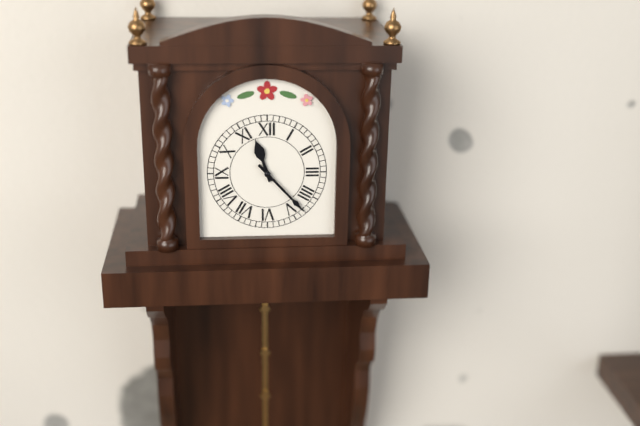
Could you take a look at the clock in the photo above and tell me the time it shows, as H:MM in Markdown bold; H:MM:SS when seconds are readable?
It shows **11:23**
